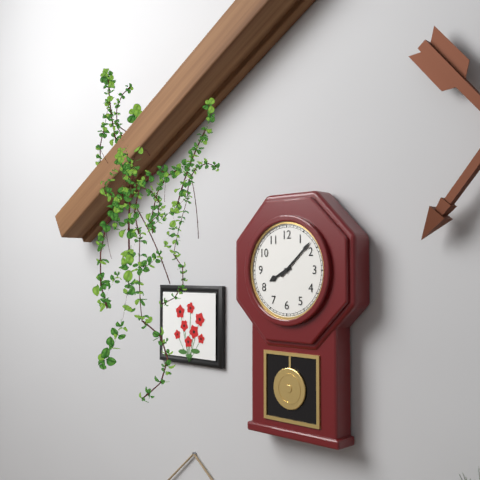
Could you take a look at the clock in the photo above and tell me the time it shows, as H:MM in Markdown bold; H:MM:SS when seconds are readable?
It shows **8:08**
